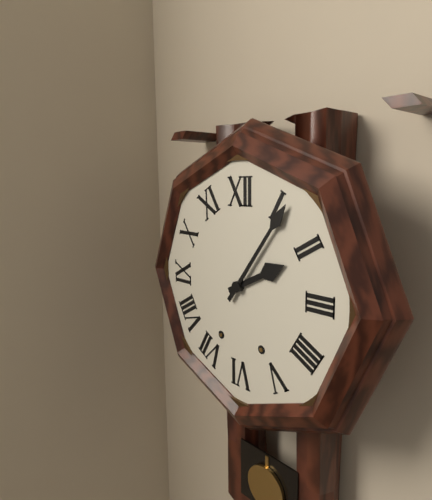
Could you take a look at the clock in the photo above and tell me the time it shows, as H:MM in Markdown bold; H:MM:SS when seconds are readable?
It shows **2:06**
